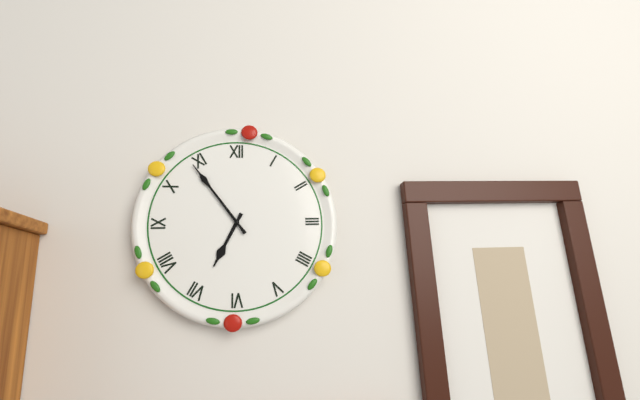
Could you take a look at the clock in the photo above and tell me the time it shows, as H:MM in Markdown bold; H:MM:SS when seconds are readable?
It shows **6:54**
